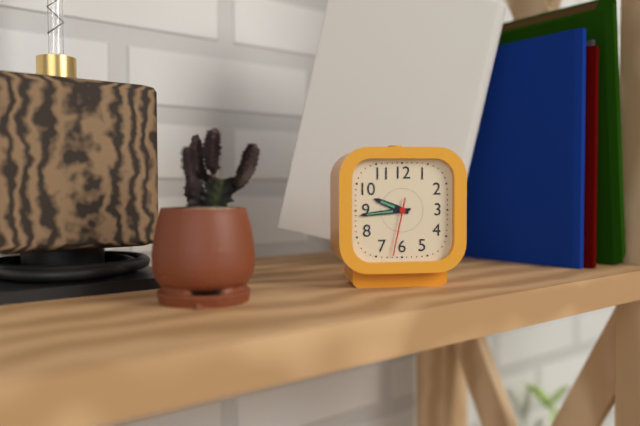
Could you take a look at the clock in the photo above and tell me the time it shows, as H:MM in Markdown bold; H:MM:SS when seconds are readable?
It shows **9:44:32**
